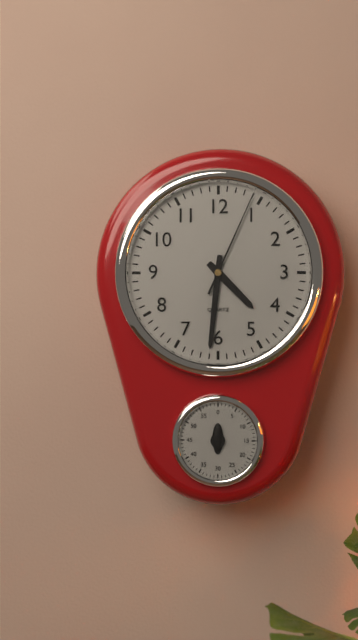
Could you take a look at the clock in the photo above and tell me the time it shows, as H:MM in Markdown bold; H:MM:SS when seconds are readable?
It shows **4:31:04**
